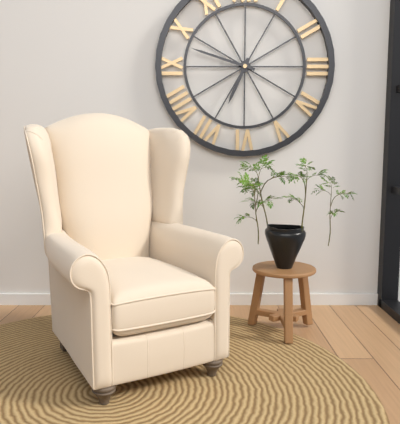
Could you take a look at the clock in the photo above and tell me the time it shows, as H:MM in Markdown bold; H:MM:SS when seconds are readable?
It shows **6:48**
